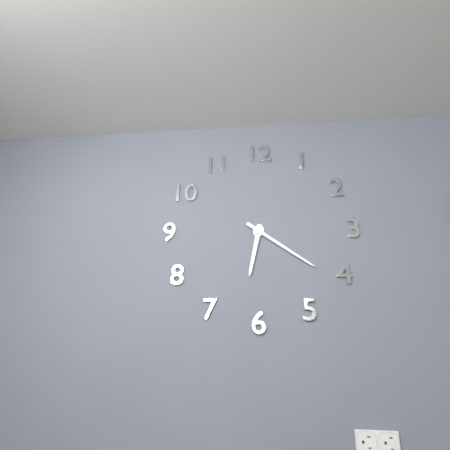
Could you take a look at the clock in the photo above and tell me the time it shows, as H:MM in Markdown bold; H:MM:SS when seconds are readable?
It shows **6:21**
